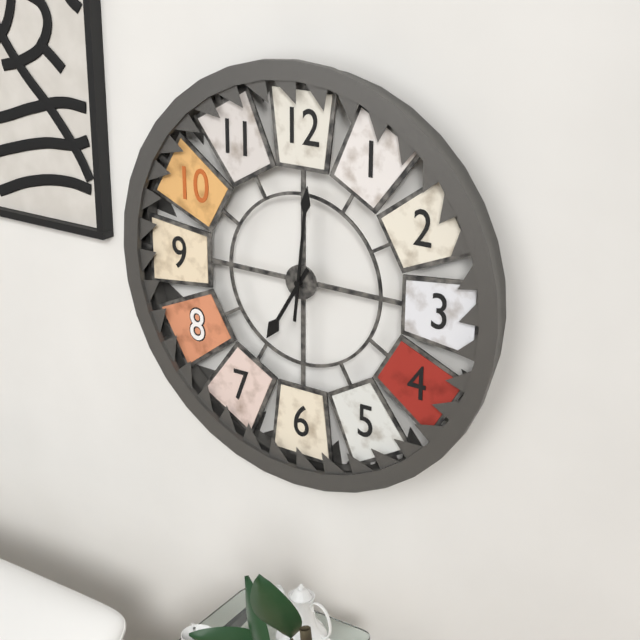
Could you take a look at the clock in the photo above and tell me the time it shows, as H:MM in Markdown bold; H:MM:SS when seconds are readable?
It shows **7:01**
